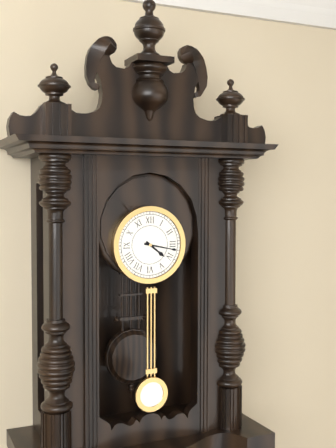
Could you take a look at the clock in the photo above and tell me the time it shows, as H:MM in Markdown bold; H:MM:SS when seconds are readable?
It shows **4:17**
